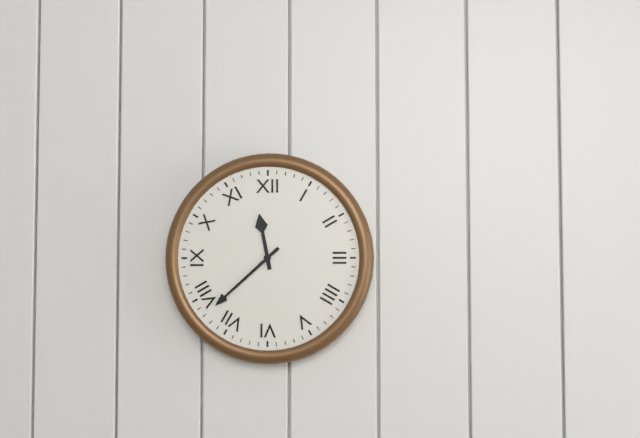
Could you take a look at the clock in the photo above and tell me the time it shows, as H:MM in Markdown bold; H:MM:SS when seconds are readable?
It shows **11:38**
